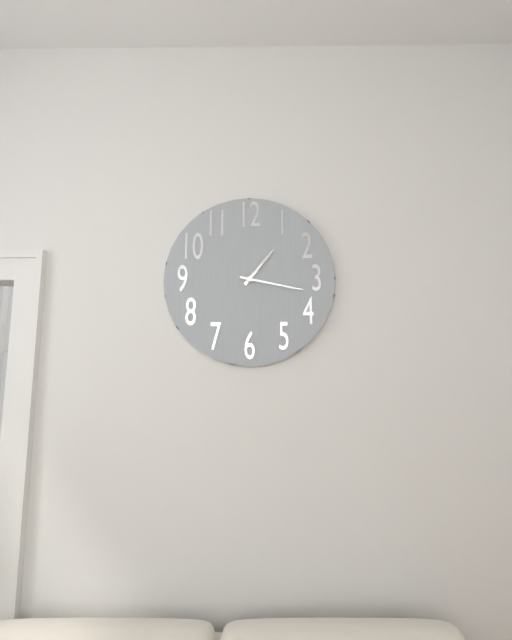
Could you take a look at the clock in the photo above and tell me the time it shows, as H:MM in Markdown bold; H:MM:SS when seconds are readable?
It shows **1:17**
